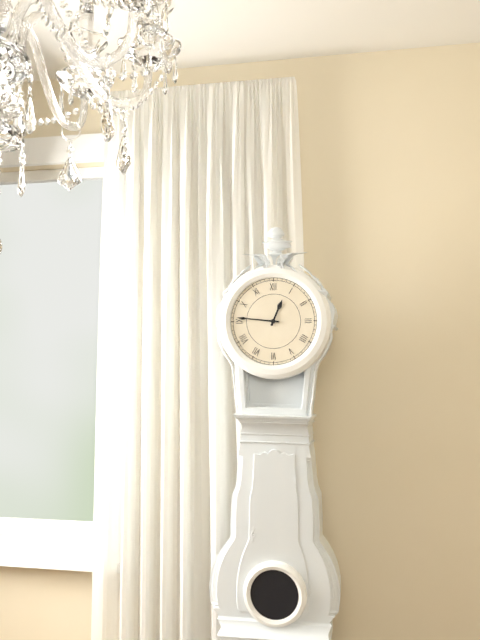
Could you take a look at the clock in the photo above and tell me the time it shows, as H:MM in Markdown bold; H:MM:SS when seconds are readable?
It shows **12:46**
